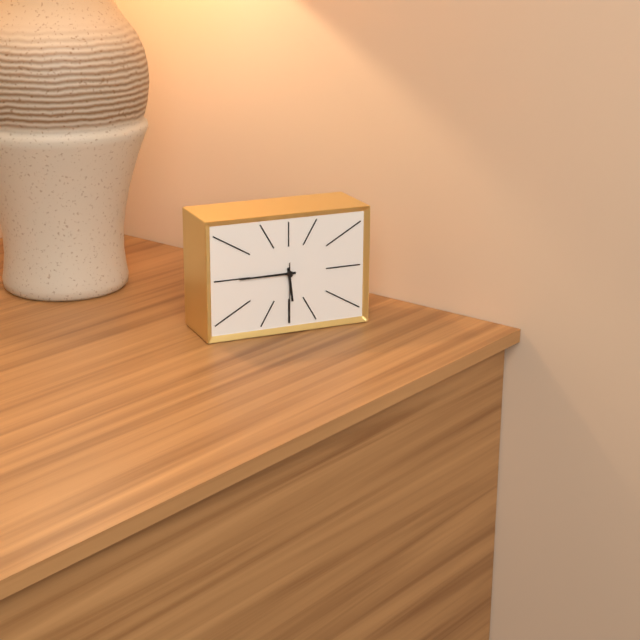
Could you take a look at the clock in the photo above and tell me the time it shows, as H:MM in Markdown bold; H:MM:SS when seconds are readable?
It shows **5:45:30**
